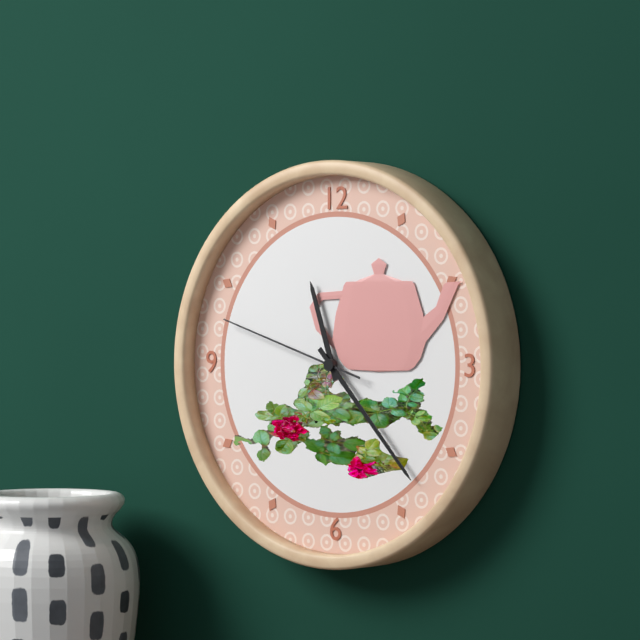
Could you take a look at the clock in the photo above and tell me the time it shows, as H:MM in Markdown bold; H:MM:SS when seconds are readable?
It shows **11:23:48**
